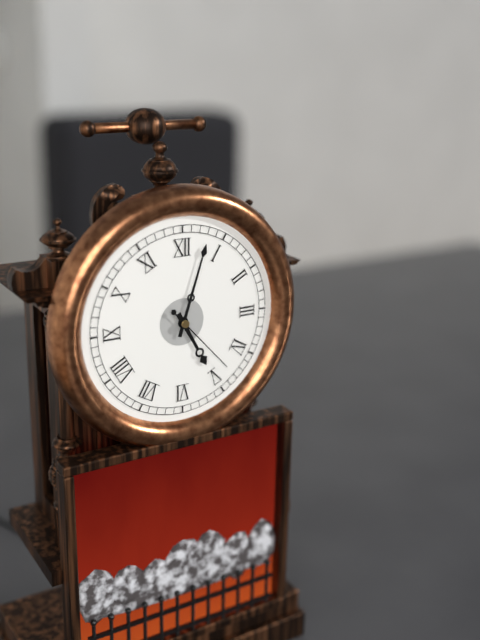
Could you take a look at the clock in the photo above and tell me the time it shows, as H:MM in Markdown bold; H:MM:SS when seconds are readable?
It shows **5:03:23**
